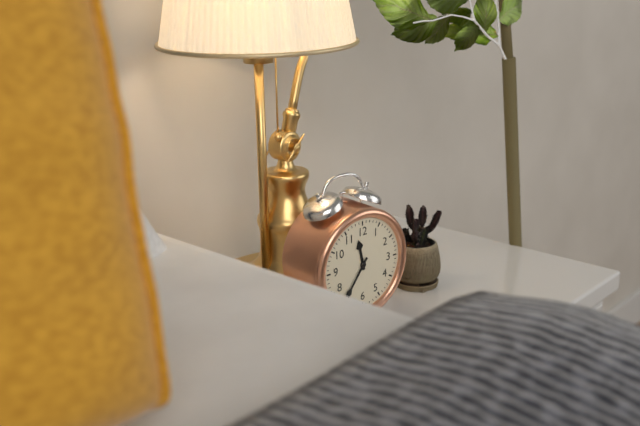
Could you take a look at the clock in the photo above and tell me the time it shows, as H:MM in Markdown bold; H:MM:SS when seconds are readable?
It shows **11:36**
